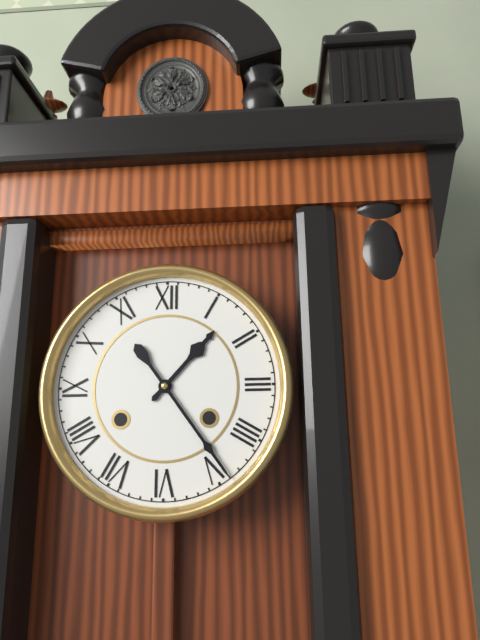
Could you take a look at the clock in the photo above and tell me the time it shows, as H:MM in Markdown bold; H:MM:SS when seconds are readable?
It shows **1:24**
